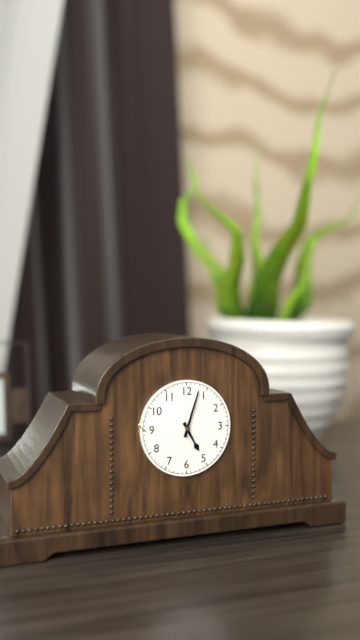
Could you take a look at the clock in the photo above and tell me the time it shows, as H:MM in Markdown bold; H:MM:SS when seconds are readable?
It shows **5:03**
